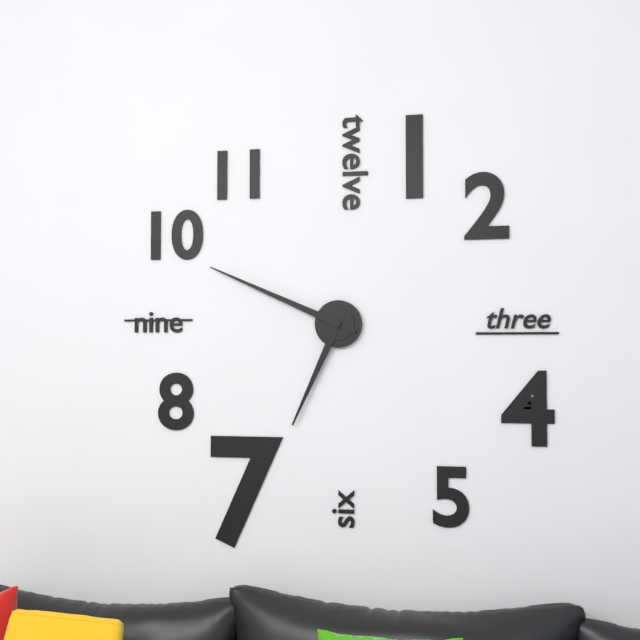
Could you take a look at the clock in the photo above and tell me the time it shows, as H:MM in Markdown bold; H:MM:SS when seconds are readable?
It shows **6:49**
